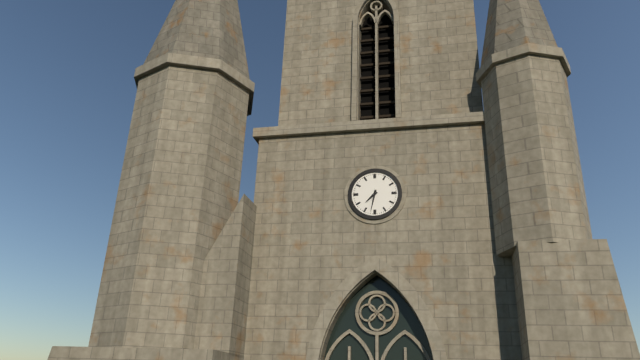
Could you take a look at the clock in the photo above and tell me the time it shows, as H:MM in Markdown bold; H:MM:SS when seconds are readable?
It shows **7:32**
